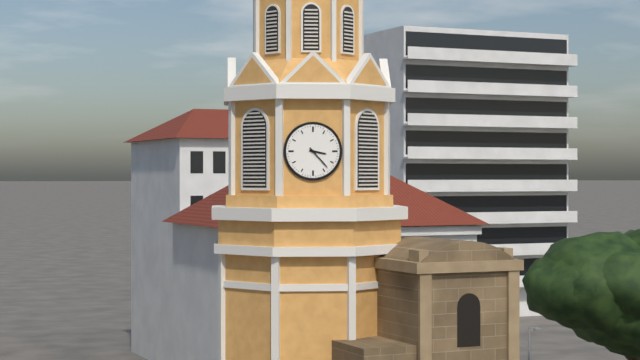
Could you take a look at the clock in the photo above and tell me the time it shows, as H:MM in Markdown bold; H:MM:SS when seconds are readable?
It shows **3:23**
